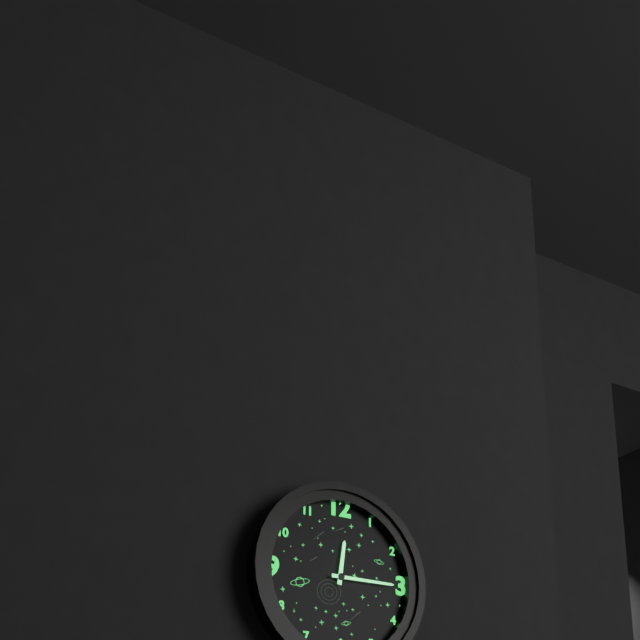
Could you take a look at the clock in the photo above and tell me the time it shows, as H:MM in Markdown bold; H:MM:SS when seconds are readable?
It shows **12:15**
